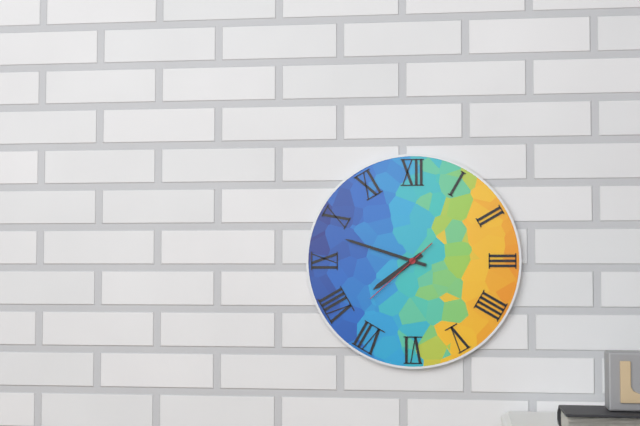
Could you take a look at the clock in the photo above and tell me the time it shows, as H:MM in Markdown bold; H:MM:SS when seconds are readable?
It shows **7:48:38**
